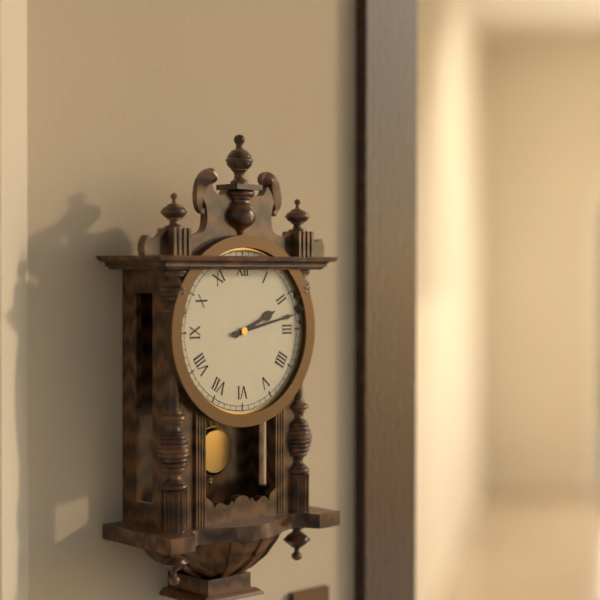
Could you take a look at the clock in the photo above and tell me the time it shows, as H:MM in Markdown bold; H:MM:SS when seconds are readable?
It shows **2:13**
